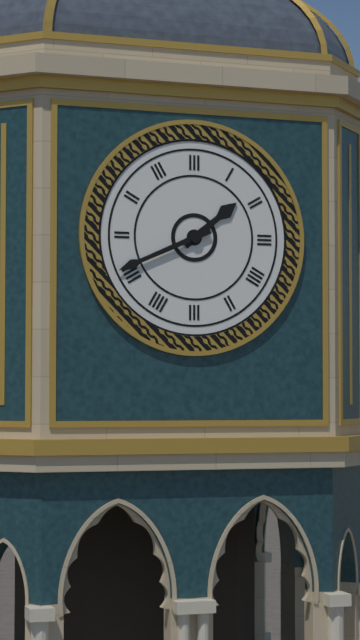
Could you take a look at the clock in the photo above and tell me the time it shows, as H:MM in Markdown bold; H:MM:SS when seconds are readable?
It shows **1:41**
